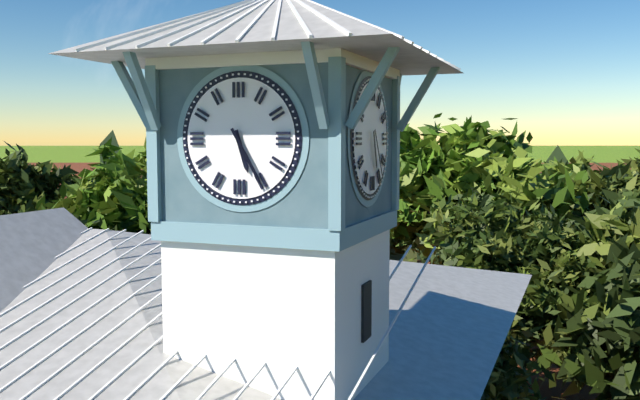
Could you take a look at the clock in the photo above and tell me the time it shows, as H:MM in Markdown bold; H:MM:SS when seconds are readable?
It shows **5:25**
